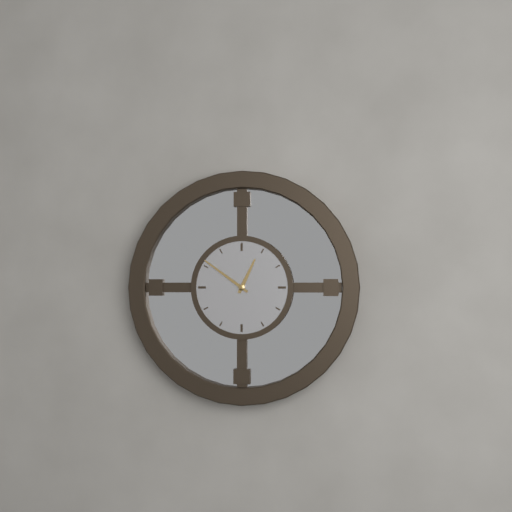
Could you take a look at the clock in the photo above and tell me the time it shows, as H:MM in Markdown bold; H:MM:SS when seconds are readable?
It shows **12:51**
